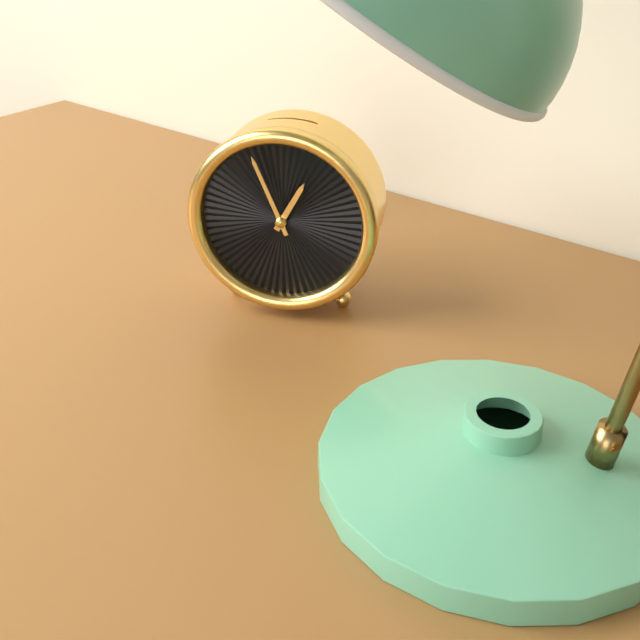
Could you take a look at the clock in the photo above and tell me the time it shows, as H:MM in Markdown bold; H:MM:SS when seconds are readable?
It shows **12:56**
